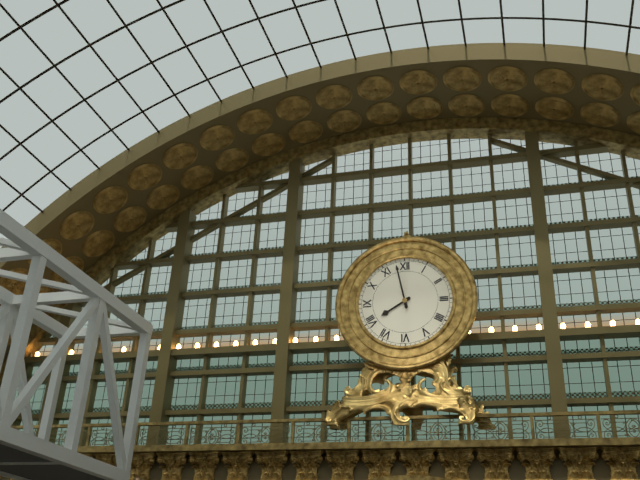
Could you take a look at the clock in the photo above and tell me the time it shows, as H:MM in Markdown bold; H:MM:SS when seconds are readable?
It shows **7:58**
